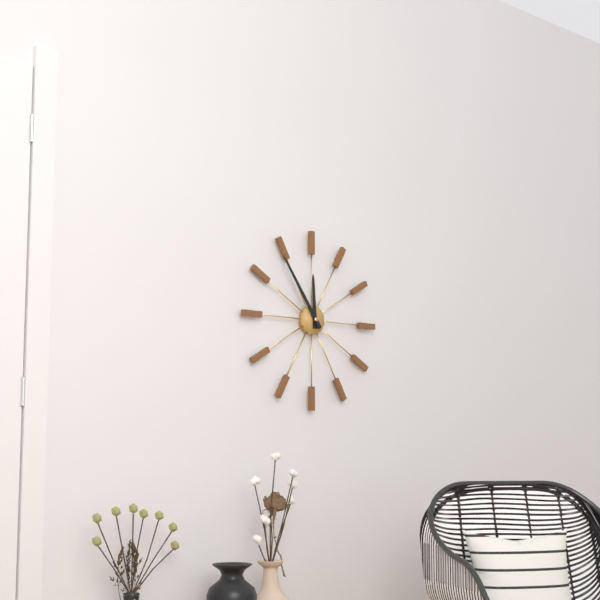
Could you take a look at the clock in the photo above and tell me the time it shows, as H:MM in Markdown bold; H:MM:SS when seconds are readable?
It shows **11:54**
